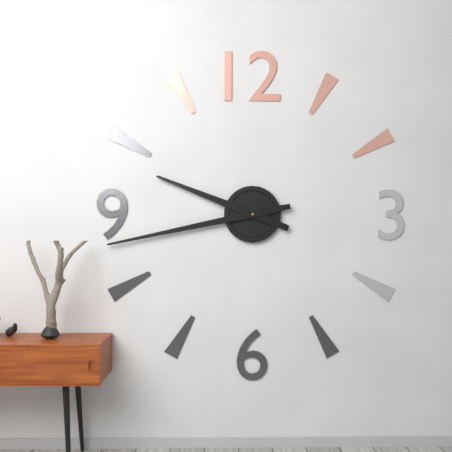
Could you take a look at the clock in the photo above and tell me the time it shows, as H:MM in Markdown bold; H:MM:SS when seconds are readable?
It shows **9:43**
